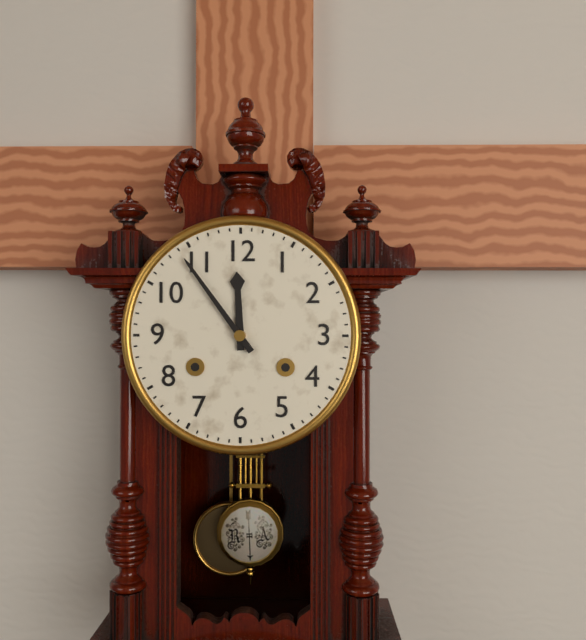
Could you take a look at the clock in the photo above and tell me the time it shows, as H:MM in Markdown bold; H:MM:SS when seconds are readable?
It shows **11:54**
